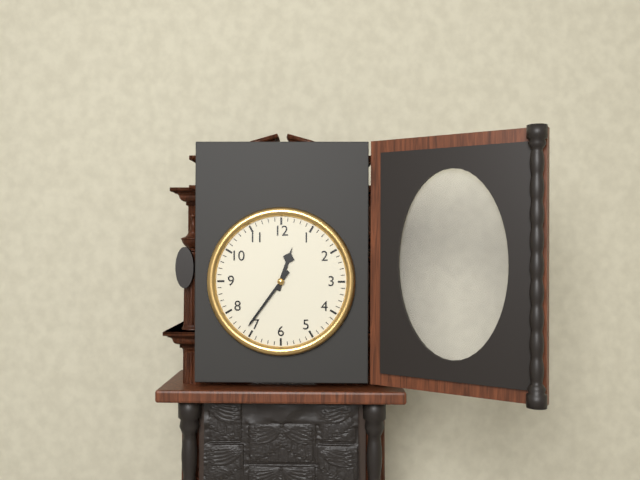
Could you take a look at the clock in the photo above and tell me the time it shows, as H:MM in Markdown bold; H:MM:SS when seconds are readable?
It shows **12:36**
